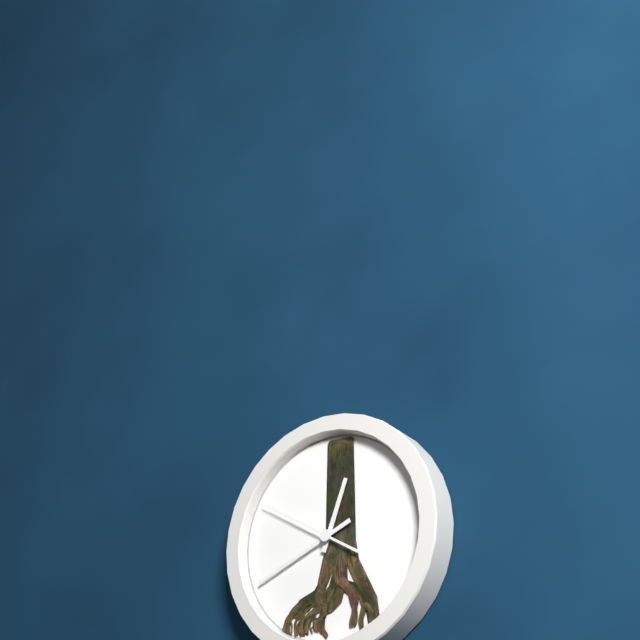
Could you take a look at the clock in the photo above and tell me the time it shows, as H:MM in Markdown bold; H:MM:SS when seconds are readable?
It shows **12:41:50**
